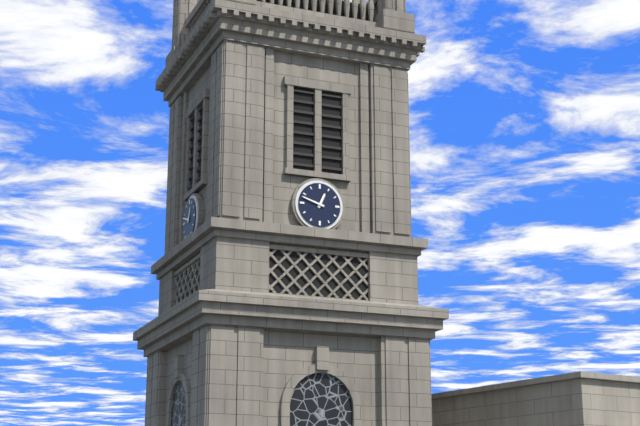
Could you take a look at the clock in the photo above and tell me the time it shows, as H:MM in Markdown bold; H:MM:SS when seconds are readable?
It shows **12:48**
